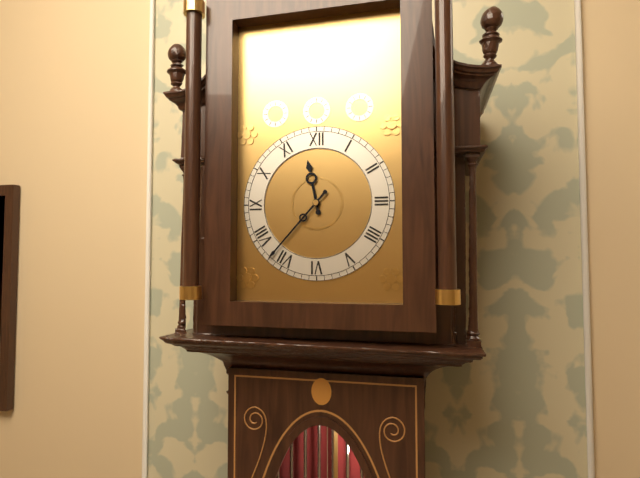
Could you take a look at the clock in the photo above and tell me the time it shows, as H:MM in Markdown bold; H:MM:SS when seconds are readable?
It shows **11:37**
